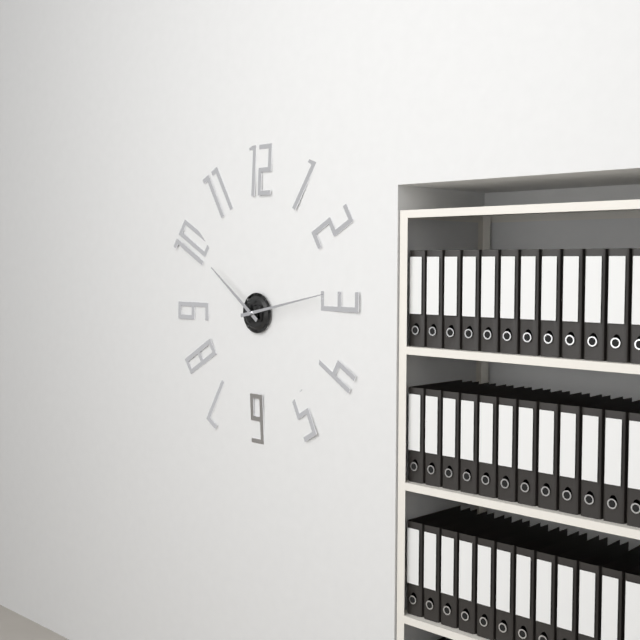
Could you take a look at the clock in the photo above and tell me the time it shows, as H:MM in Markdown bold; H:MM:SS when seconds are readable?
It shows **10:13**
